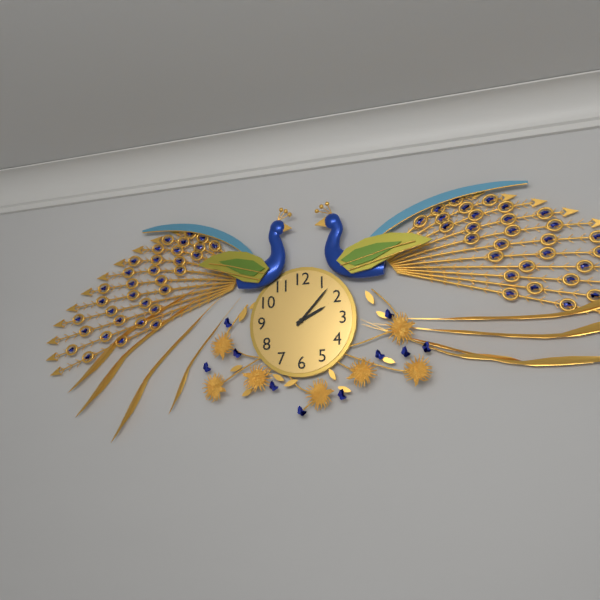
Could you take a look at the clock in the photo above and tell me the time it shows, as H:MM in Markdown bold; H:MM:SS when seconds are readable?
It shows **2:07**
